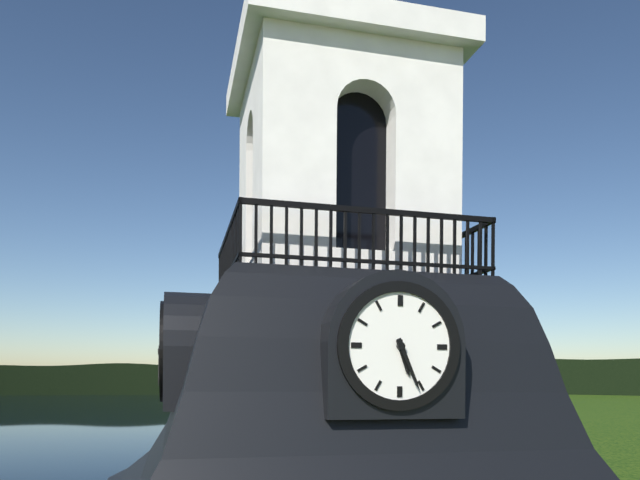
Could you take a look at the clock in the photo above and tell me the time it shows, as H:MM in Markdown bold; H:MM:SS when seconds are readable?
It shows **5:26**
